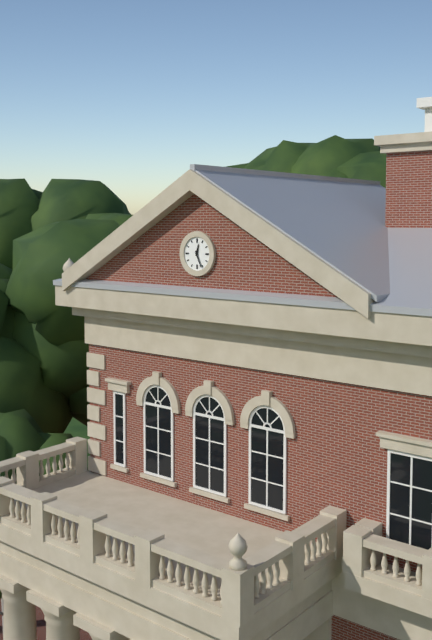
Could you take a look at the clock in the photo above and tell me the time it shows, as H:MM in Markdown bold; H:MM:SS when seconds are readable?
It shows **12:26**
